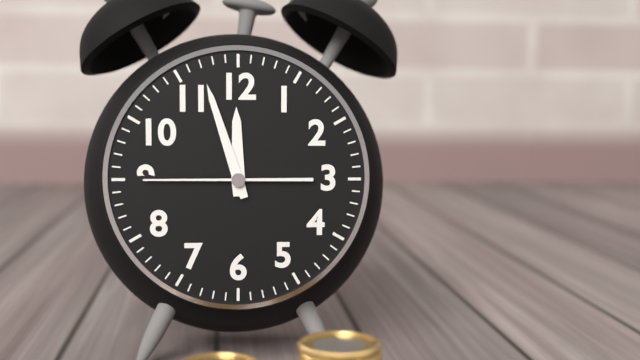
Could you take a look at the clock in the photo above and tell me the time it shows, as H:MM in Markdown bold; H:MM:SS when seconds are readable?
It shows **11:57:45**
